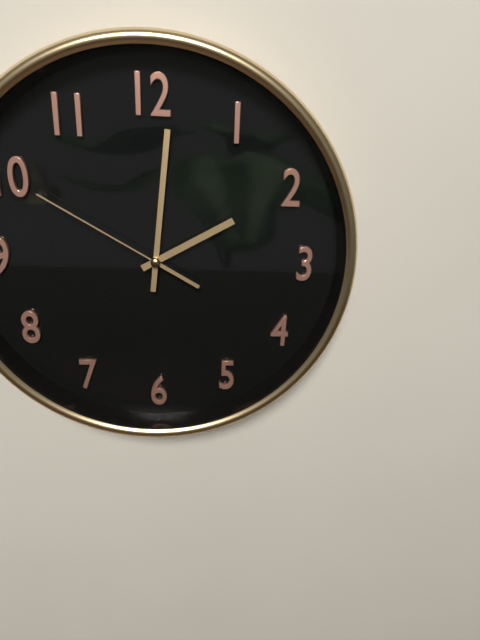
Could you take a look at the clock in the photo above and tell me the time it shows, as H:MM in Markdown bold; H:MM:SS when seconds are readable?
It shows **2:01:50**
